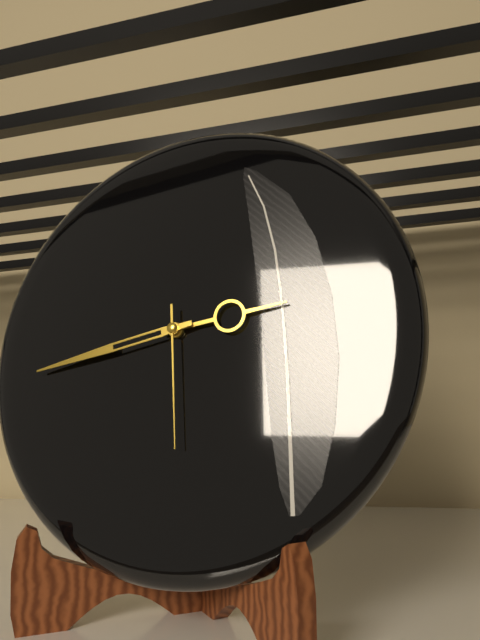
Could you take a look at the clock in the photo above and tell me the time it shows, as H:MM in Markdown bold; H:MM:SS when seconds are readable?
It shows **2:43:29**
